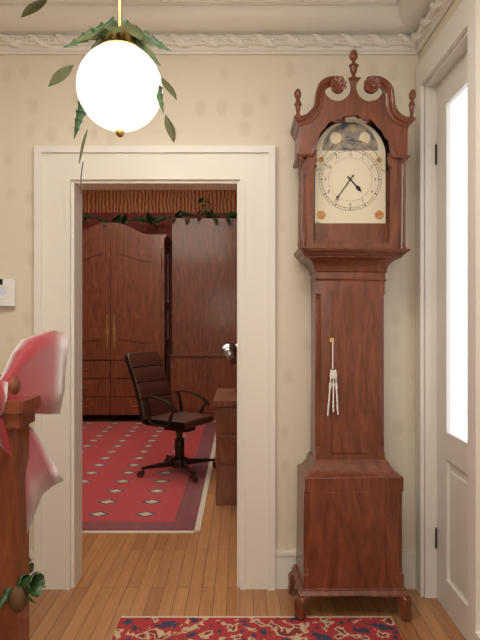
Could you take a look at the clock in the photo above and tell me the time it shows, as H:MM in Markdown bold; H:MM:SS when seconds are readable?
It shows **4:36**
